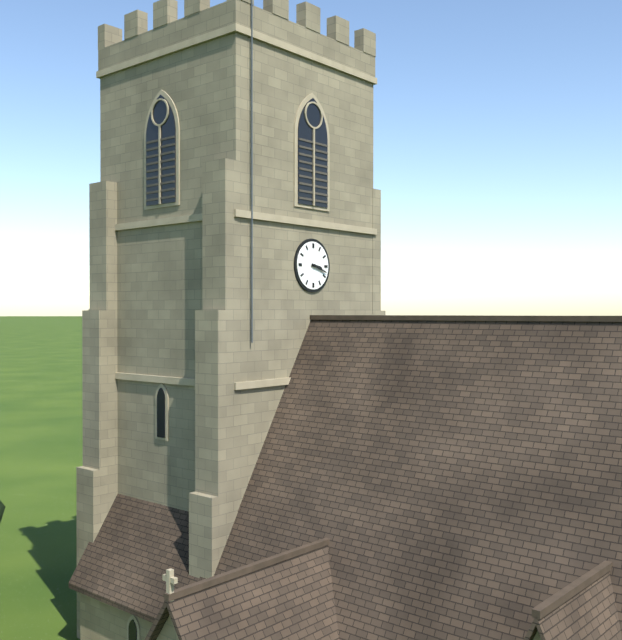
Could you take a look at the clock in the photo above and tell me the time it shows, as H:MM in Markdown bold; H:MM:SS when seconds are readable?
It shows **3:18**
